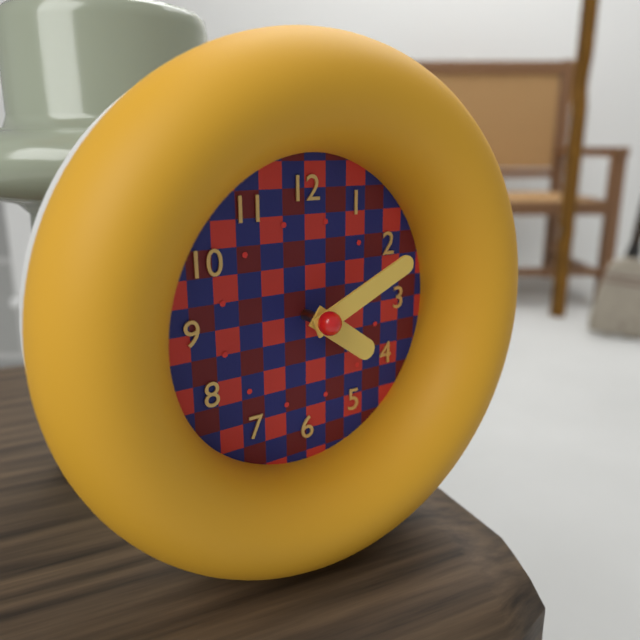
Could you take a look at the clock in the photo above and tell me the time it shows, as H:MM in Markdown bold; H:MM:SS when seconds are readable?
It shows **4:11**
